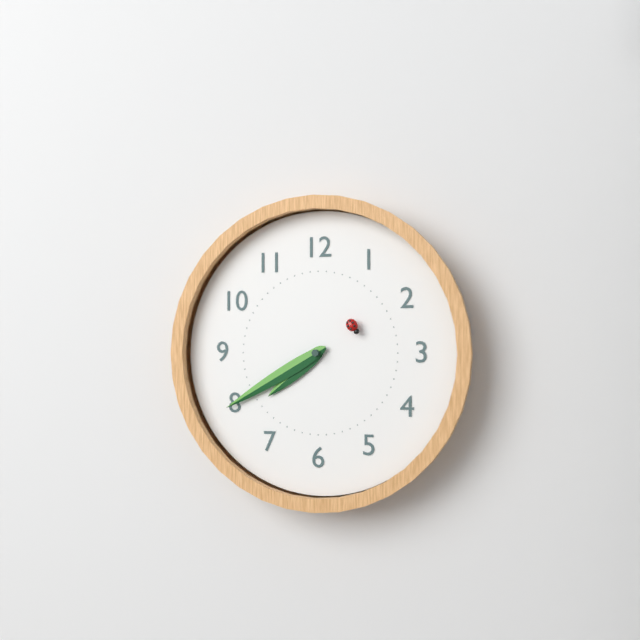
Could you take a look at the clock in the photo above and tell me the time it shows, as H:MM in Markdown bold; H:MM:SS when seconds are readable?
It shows **7:40:09**
